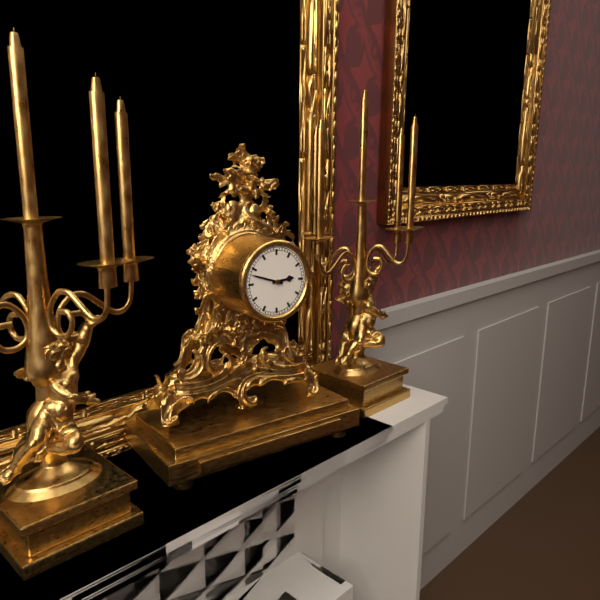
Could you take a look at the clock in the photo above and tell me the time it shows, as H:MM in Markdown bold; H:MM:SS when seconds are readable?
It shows **2:48**
